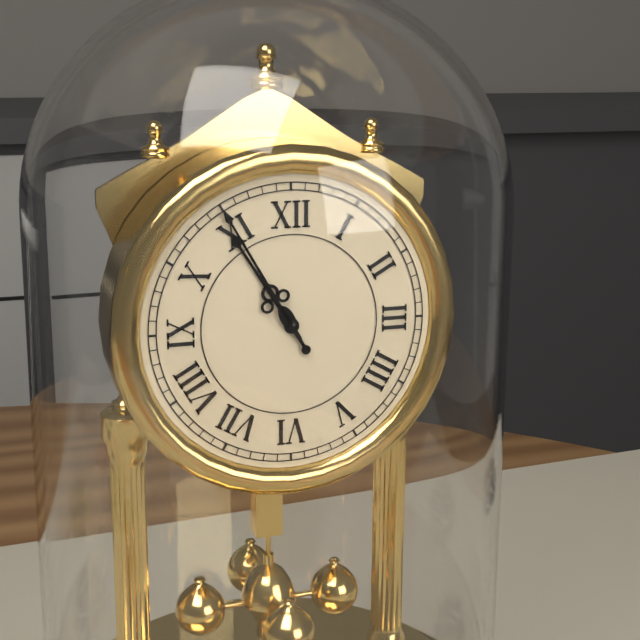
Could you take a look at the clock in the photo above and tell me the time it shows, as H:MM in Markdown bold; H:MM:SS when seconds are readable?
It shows **10:55**
